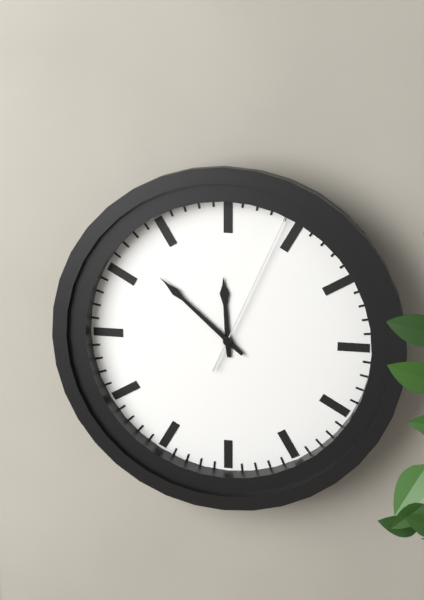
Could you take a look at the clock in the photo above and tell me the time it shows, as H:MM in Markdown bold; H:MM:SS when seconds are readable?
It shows **11:52:04**
